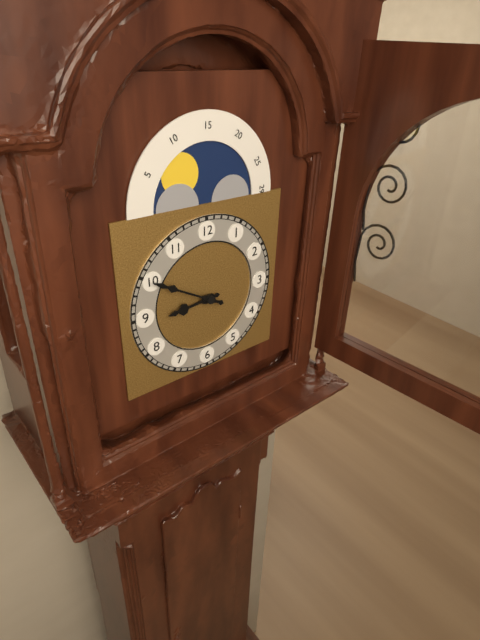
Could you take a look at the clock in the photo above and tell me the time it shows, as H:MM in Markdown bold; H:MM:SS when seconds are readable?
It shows **8:50**
